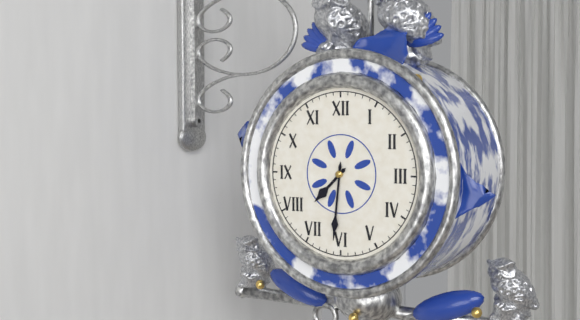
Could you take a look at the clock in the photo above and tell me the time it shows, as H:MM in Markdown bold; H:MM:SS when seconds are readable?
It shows **7:31**
